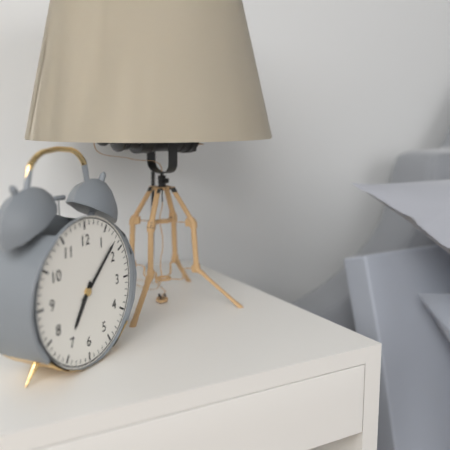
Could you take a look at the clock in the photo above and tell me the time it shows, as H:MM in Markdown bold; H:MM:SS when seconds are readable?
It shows **7:08**
